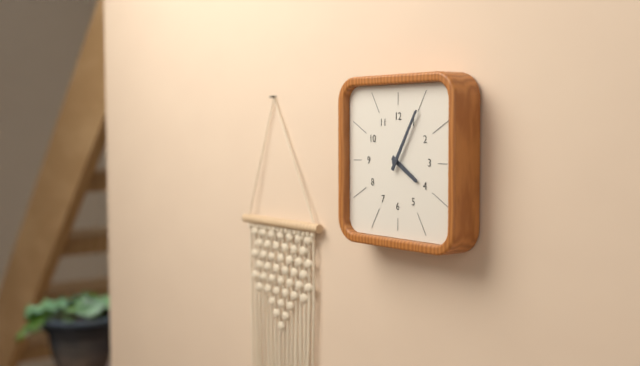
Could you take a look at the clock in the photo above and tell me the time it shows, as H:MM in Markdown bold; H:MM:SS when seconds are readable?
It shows **4:05**
